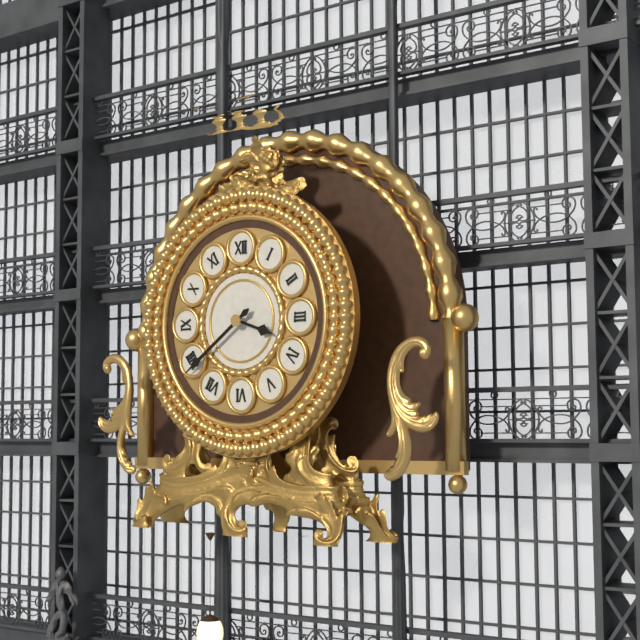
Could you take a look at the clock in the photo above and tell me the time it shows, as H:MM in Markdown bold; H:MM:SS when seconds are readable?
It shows **3:39**
